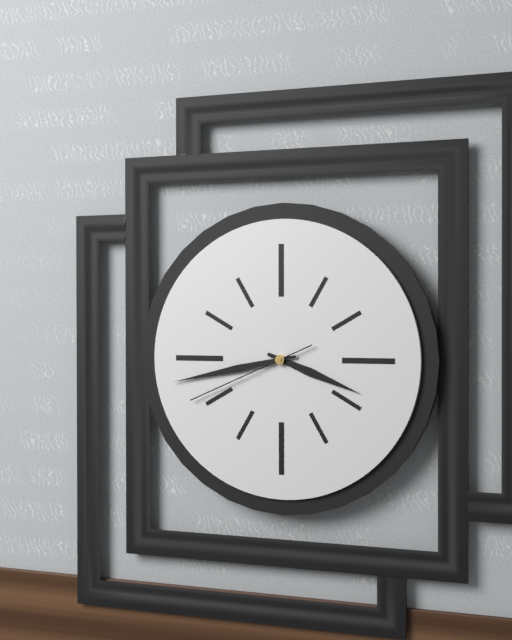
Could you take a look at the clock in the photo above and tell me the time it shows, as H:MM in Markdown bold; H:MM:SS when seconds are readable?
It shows **3:43:41**
